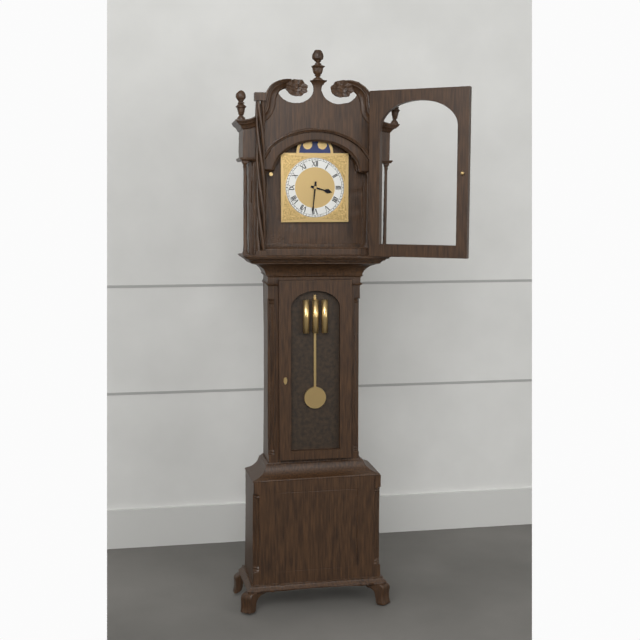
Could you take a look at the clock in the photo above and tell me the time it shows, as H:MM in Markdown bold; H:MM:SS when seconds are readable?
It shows **3:31**
